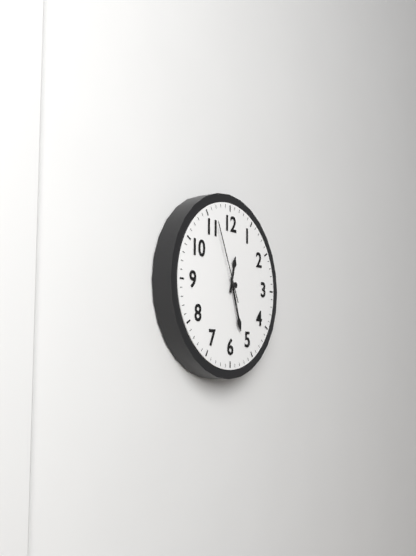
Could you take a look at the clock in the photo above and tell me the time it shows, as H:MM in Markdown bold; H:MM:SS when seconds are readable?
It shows **12:27:56**
